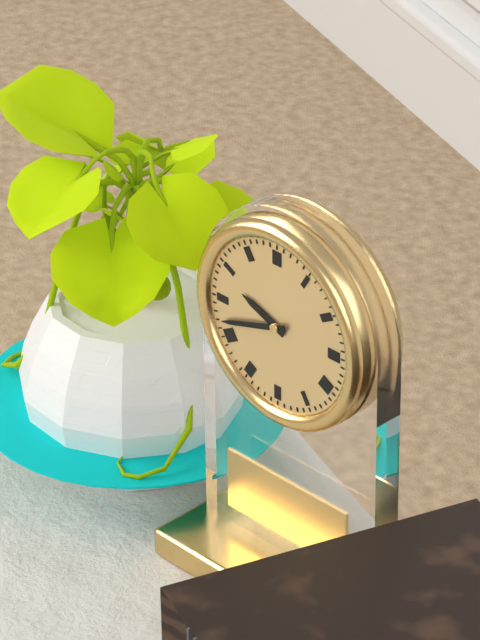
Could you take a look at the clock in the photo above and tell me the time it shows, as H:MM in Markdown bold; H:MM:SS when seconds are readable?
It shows **9:42**
